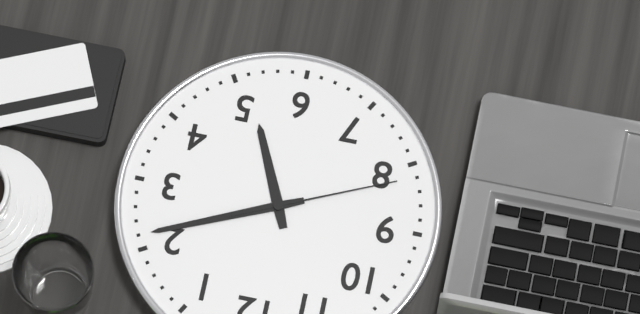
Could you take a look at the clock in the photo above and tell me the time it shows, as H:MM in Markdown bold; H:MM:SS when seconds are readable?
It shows **5:11:41**
